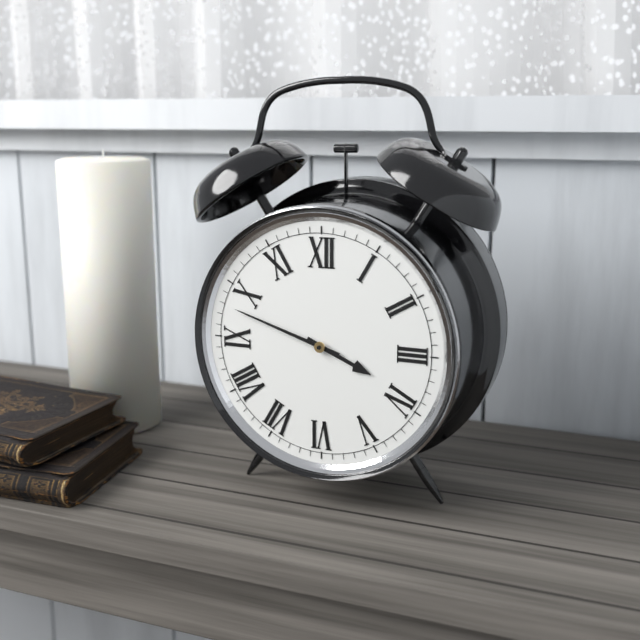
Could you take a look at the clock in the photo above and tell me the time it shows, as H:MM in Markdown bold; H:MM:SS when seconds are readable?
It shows **3:48**
